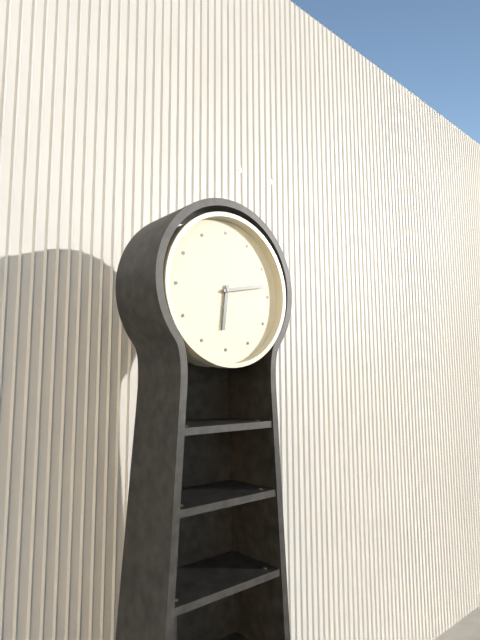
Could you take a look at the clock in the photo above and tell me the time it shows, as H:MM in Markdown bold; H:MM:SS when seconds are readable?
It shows **6:13**
